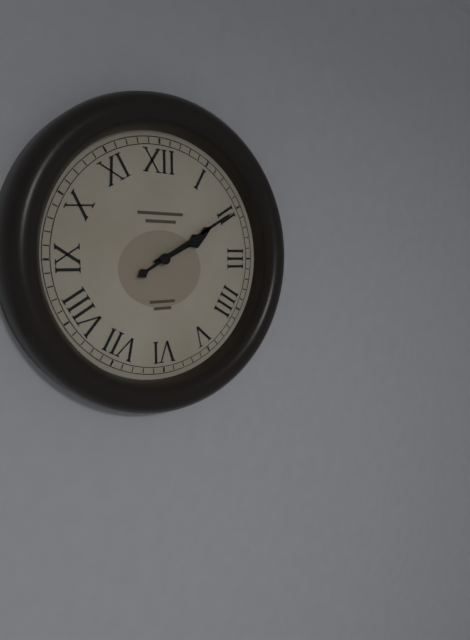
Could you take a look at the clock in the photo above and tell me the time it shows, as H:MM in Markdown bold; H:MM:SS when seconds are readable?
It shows **2:10**
